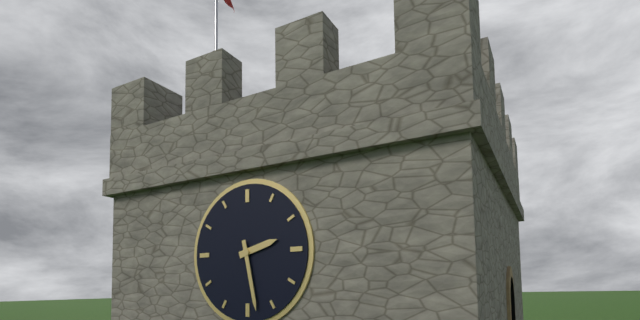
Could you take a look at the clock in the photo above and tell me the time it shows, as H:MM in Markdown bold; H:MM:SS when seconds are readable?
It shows **2:28**
